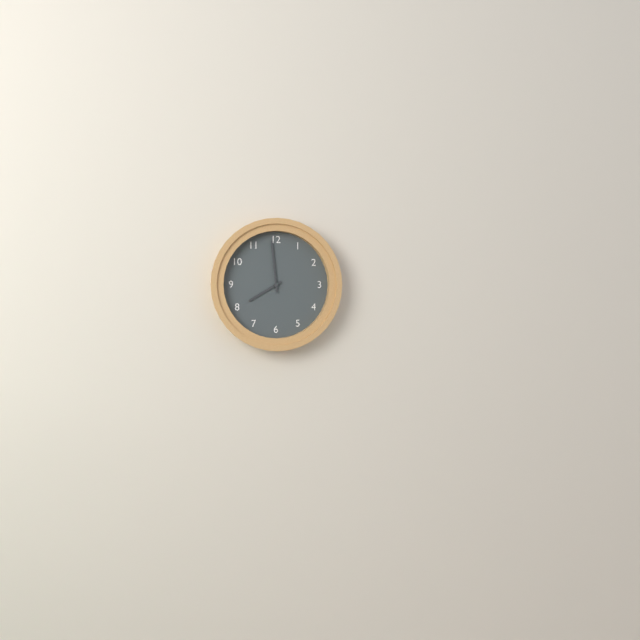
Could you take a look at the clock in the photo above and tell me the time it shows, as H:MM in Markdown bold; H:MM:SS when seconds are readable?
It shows **7:59**
